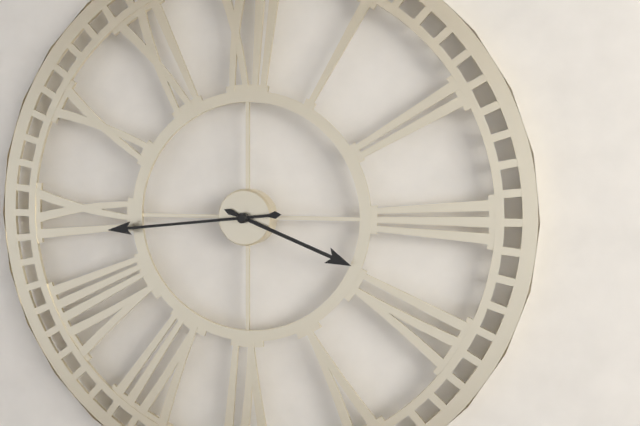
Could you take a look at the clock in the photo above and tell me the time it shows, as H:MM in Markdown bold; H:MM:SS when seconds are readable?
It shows **3:44**
